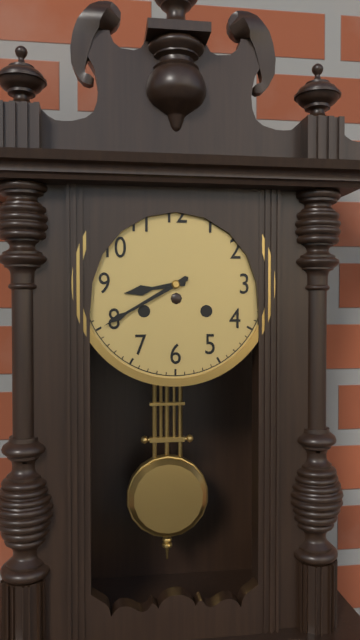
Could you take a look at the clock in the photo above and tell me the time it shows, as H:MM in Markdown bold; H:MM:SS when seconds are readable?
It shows **8:40**
